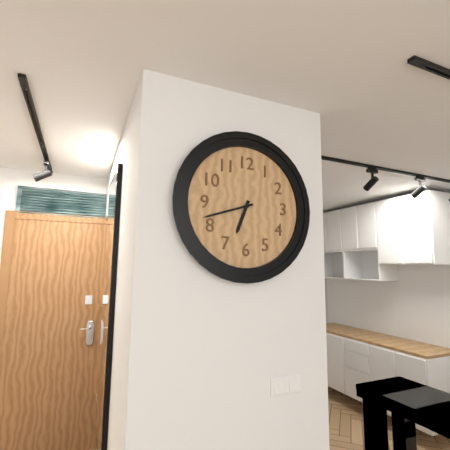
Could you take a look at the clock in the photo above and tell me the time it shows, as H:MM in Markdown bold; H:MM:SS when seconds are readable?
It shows **6:42**
